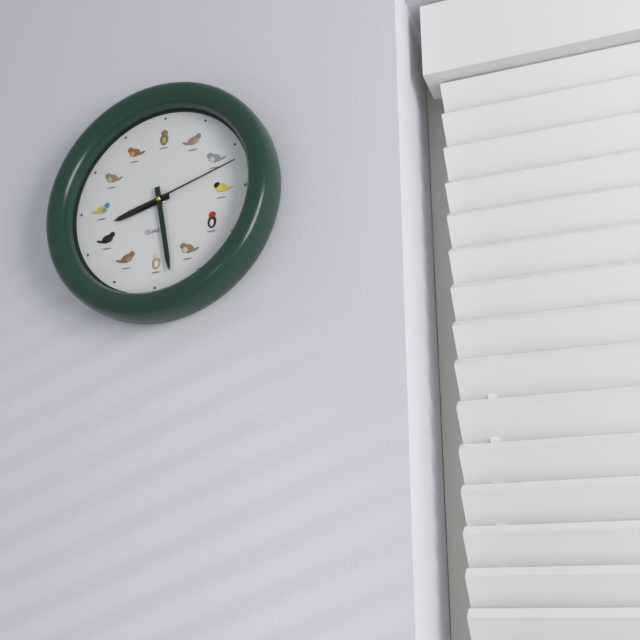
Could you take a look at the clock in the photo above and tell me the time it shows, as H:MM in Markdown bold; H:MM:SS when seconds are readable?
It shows **8:28:12**
